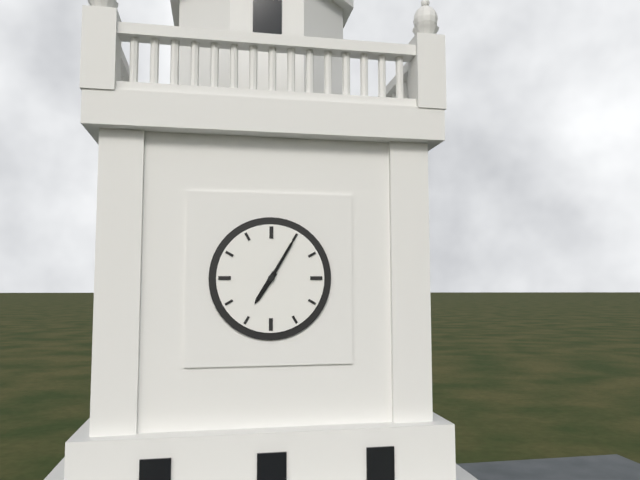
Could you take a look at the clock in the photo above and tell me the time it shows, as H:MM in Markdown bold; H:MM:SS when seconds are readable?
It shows **7:05**
